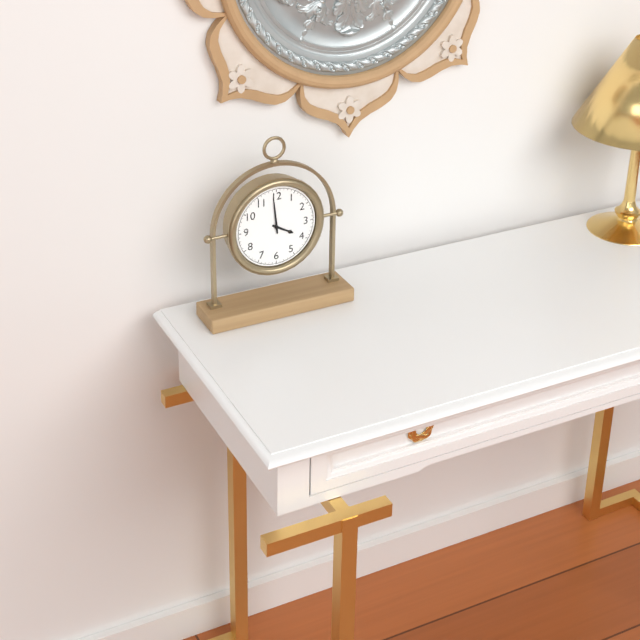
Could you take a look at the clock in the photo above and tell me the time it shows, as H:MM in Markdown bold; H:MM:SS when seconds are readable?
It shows **3:59**
